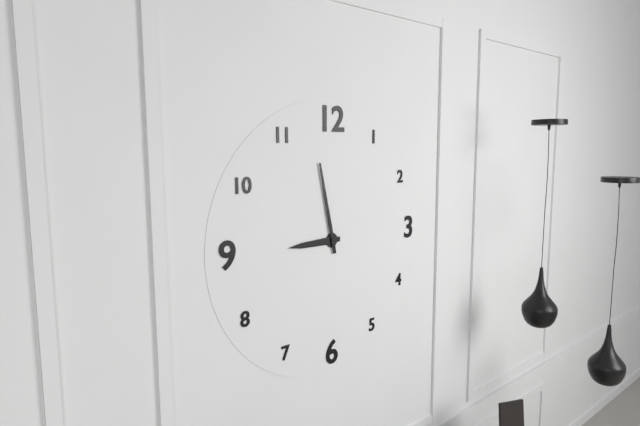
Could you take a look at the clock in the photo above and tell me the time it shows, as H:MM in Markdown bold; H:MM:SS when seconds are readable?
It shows **8:58**
